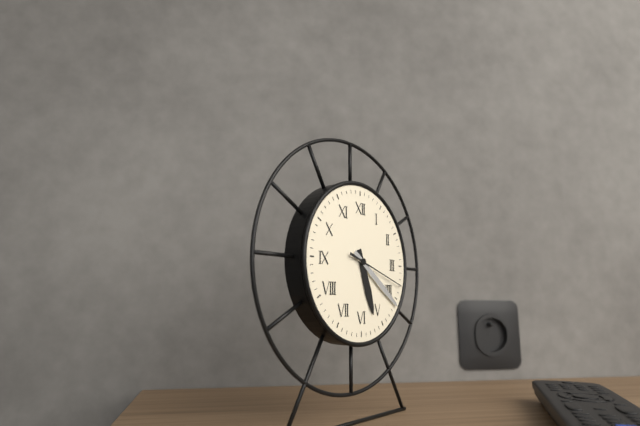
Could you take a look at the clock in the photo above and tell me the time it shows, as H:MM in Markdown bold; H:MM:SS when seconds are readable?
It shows **5:21:18**
